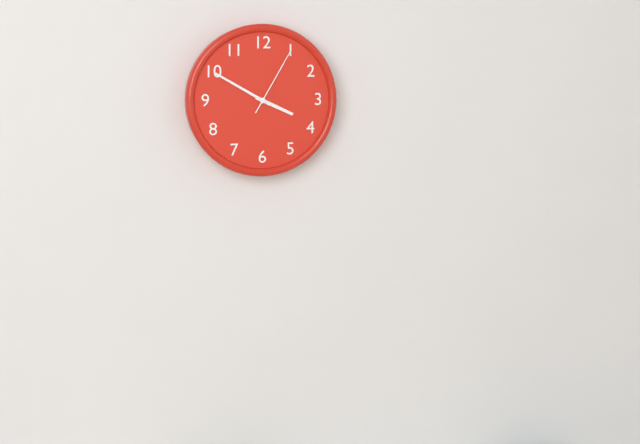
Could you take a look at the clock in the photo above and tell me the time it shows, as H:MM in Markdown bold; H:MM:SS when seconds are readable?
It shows **3:50:05**
